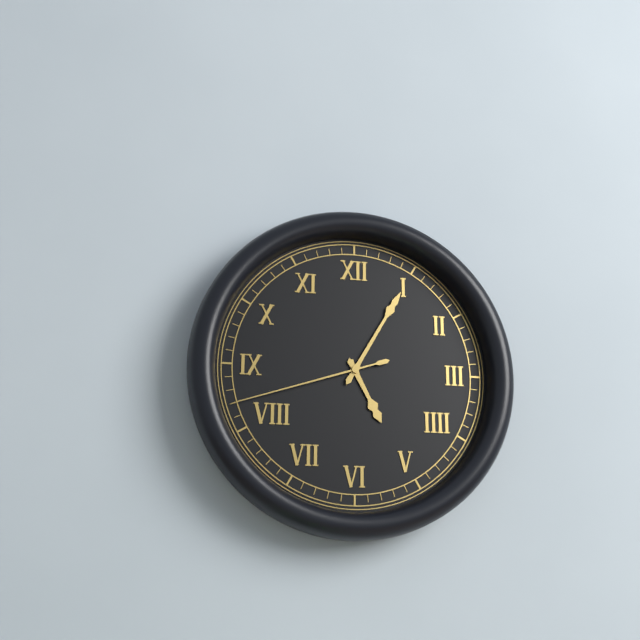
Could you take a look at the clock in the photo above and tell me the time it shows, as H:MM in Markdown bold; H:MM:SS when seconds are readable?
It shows **5:05:42**
